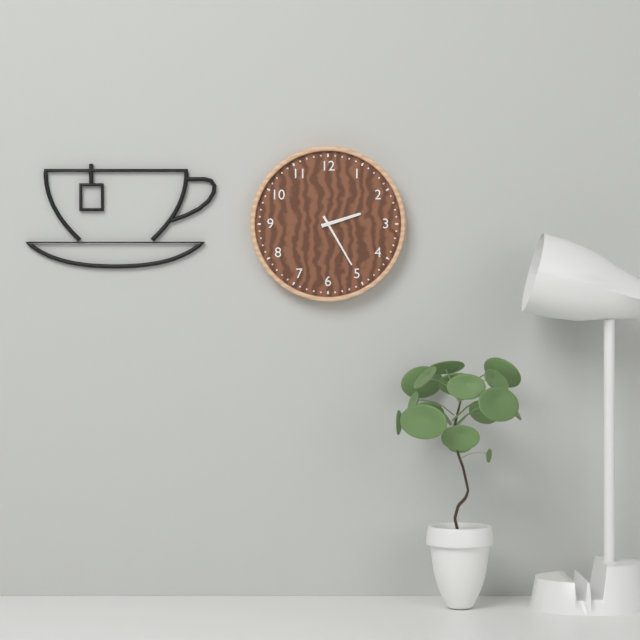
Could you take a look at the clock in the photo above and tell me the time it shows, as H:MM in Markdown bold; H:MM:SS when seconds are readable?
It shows **2:25**
